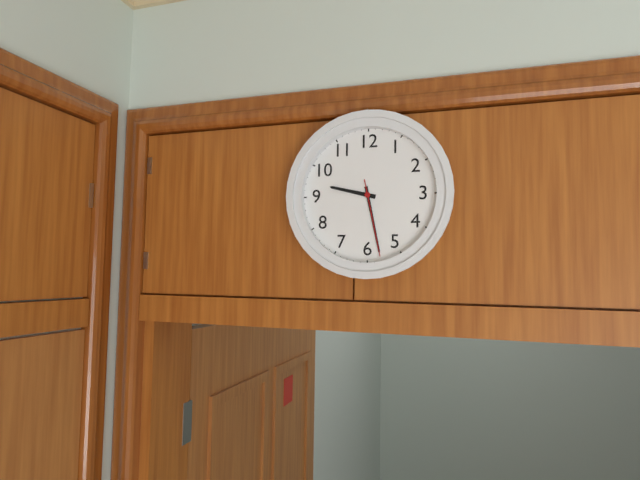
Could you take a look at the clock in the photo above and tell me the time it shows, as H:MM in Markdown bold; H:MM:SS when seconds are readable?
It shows **9:28:28**
